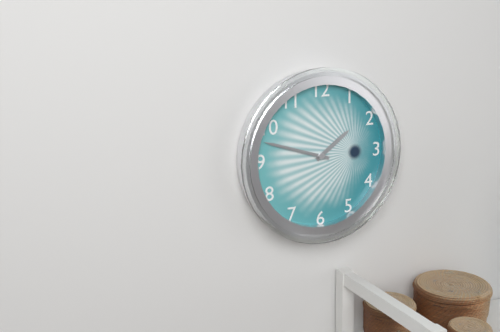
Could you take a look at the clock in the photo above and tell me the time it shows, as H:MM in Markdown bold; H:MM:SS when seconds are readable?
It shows **1:48**
